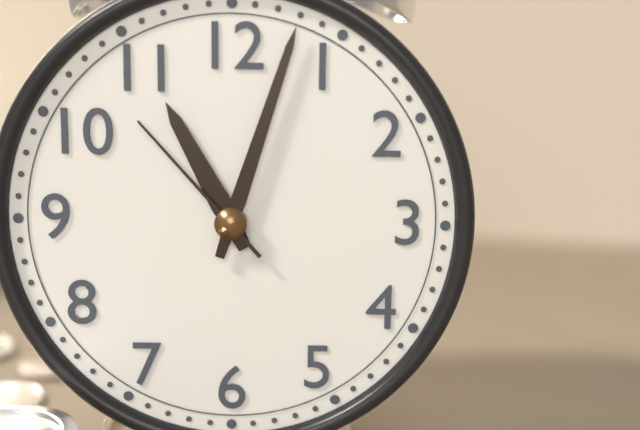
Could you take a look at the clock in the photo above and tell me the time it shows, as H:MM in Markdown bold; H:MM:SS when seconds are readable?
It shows **11:03:53**
